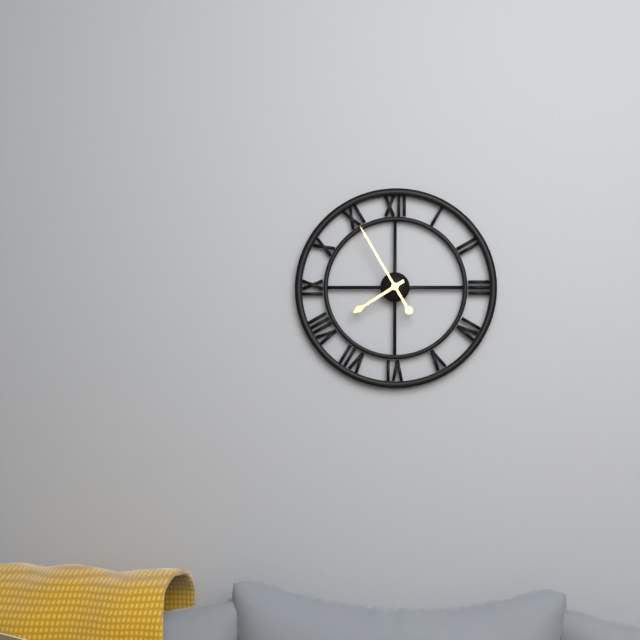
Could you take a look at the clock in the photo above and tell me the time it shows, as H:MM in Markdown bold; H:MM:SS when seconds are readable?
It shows **7:55**
